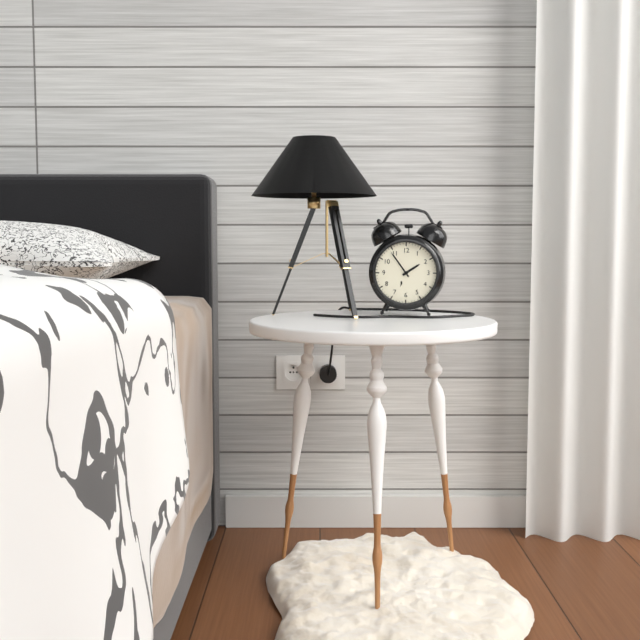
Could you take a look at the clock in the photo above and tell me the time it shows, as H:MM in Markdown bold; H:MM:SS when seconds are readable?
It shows **1:54**
